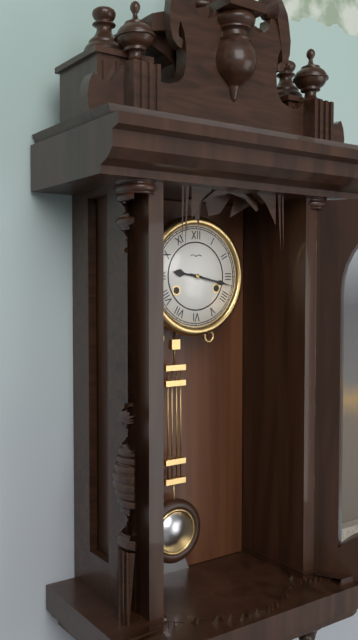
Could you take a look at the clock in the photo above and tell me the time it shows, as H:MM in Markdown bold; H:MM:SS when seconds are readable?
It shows **9:17**
